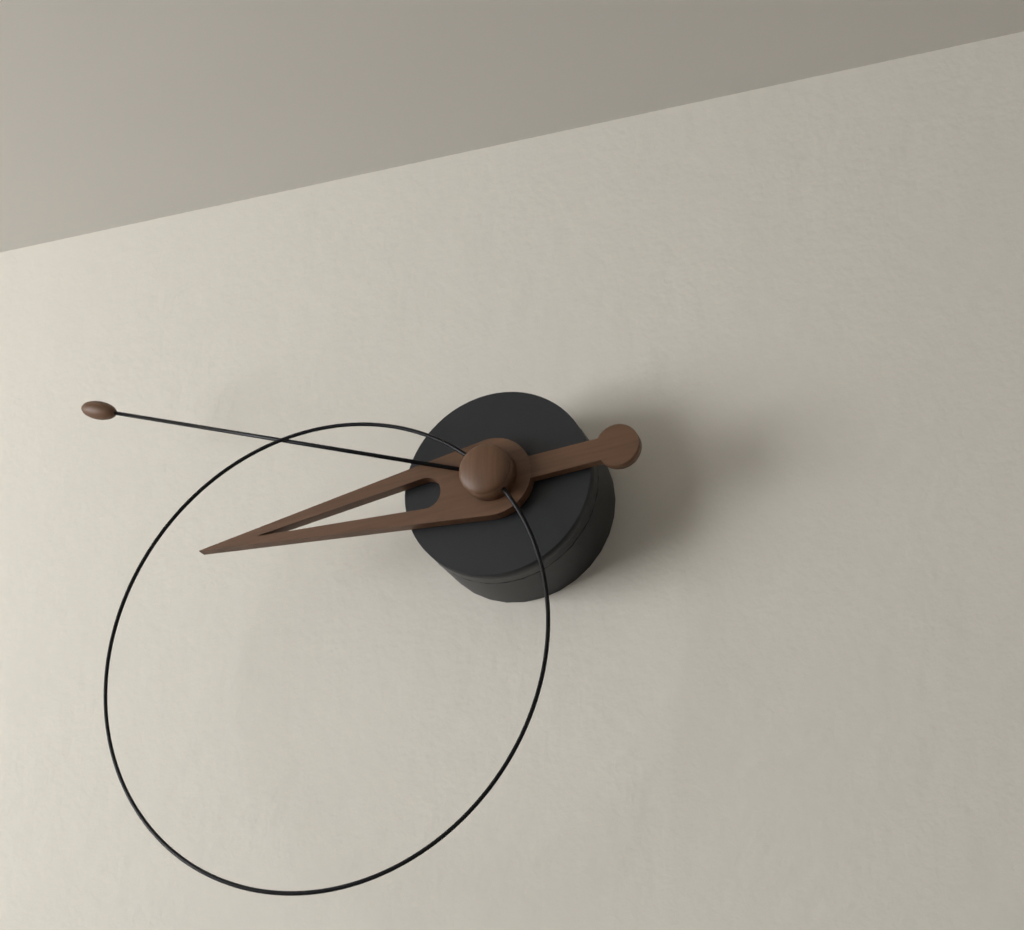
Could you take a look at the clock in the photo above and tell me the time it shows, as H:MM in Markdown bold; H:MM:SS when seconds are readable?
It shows **8:48:38**
